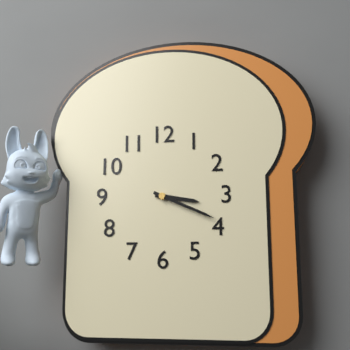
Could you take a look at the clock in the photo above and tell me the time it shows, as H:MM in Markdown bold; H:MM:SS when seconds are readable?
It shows **3:19**
